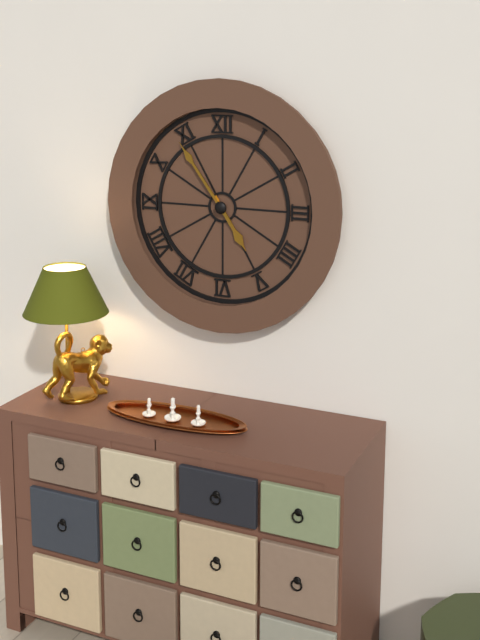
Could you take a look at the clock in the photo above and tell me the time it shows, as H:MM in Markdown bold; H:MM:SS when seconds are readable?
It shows **4:54**
